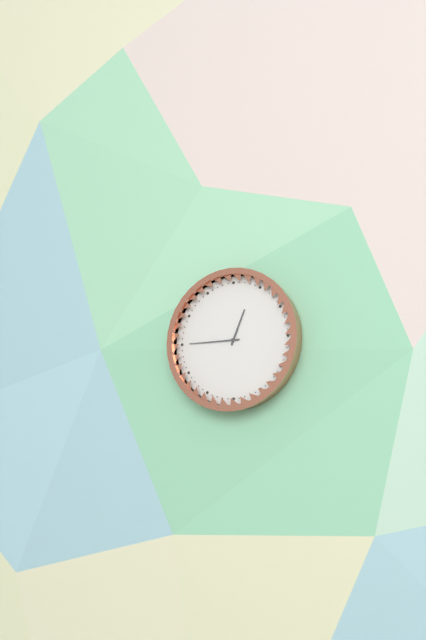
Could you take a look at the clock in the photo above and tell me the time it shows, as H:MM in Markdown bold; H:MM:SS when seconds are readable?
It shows **12:45**
